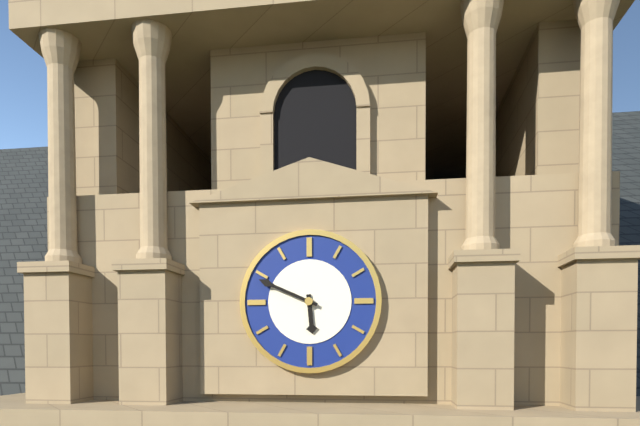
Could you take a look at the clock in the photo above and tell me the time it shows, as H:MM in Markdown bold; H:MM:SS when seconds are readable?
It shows **5:49**
